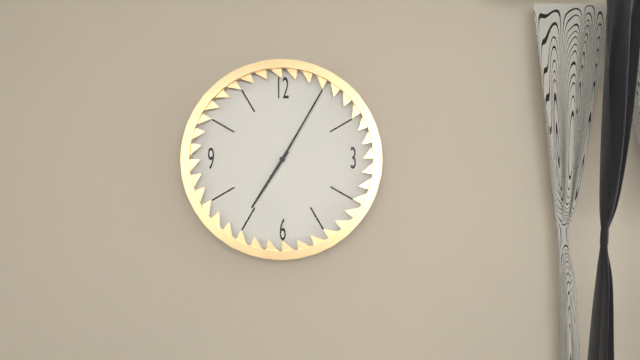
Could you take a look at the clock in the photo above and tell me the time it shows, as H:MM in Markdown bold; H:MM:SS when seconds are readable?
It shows **7:05**
